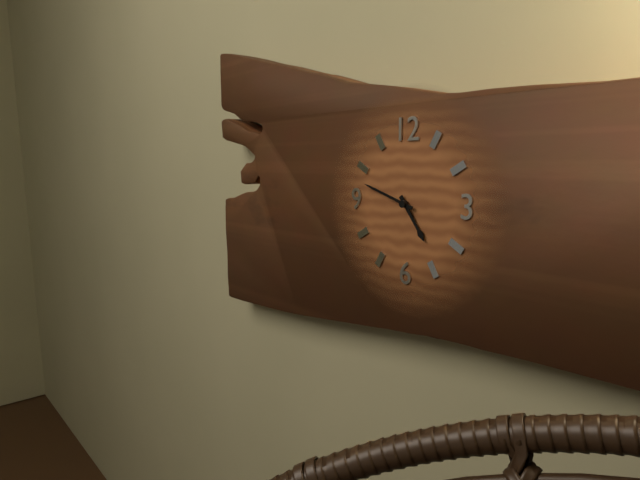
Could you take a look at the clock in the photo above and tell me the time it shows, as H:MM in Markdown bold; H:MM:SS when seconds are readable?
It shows **4:48**
